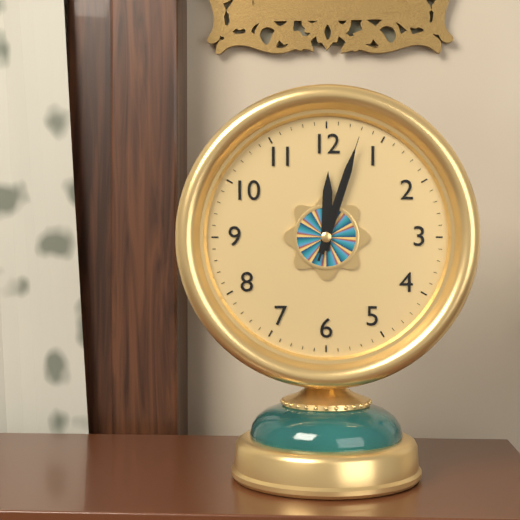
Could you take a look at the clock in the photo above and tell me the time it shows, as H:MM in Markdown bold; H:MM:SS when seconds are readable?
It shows **12:03:03**
